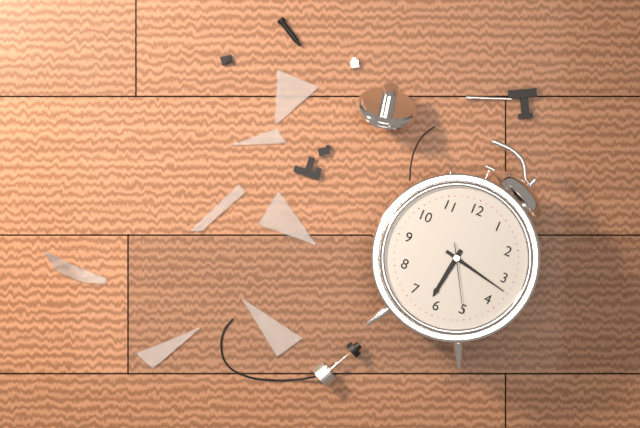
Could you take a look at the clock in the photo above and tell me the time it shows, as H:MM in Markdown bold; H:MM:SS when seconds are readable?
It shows **6:17:25**
